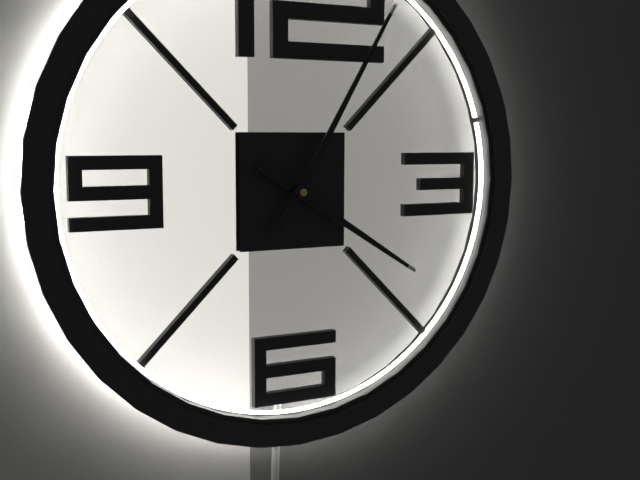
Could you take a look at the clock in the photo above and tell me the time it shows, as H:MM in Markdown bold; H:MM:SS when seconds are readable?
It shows **4:05**
